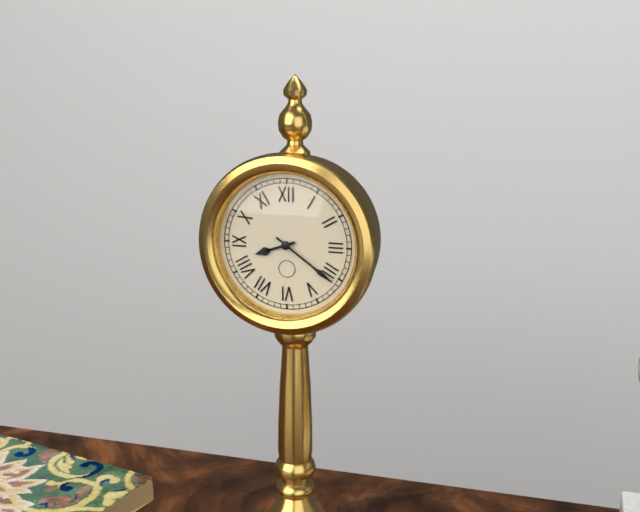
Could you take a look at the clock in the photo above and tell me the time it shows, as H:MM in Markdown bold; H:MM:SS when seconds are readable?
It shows **8:21**
